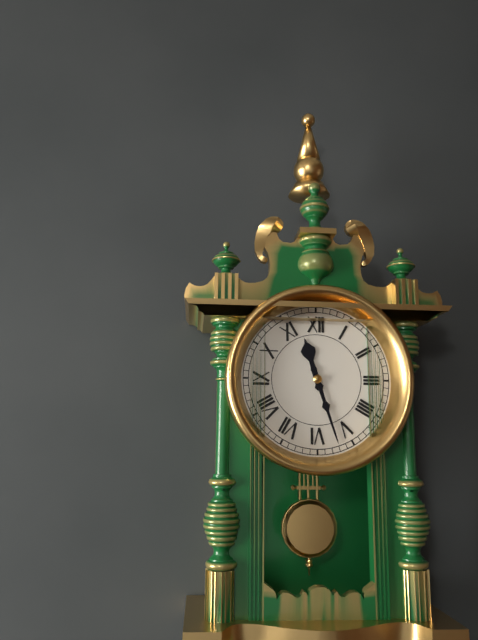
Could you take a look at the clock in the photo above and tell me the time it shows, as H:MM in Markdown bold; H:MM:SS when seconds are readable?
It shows **11:27**
